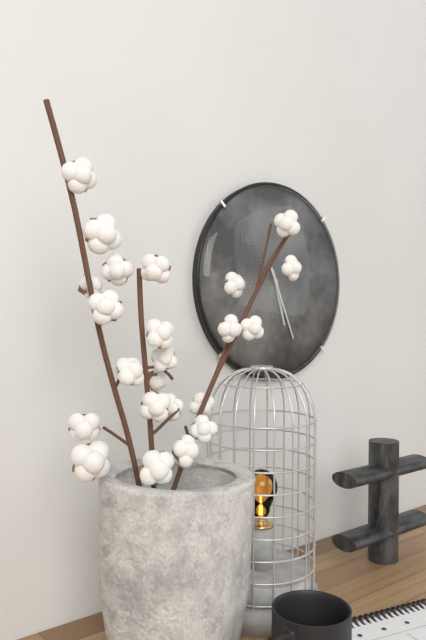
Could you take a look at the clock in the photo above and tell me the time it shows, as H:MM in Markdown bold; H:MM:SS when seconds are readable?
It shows **5:26**
